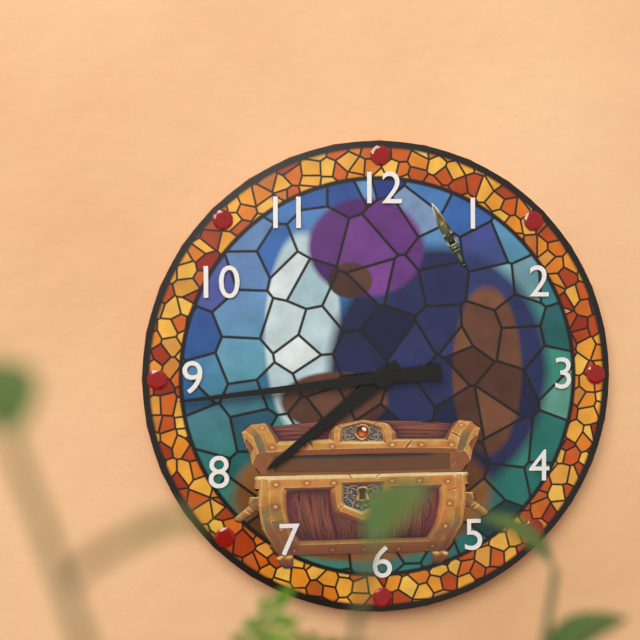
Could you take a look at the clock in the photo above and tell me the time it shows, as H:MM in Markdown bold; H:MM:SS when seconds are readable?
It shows **7:44**
